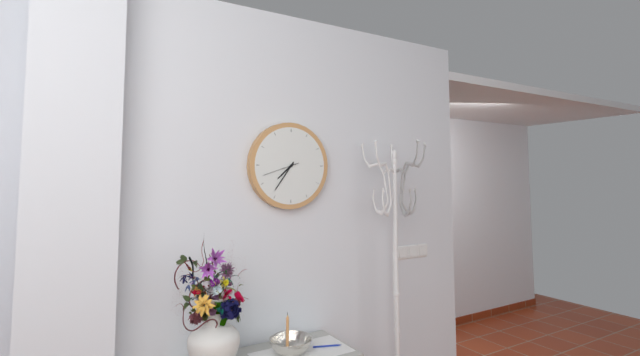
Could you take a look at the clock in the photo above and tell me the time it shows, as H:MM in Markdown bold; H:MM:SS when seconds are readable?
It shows **7:36**
